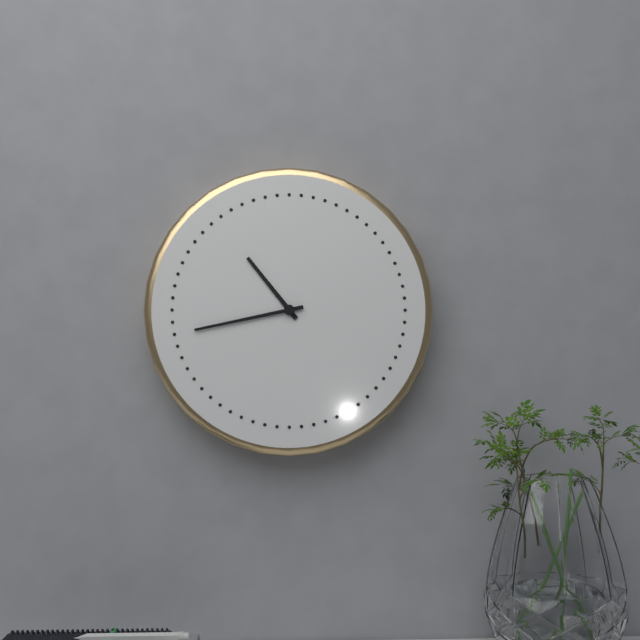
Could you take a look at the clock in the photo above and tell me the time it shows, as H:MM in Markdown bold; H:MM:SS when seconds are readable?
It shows **10:43**
